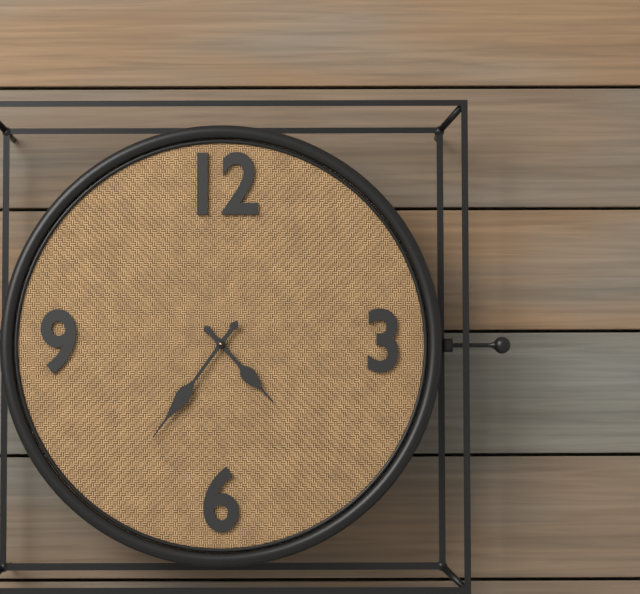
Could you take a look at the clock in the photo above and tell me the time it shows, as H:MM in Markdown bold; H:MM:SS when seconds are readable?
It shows **4:36**
